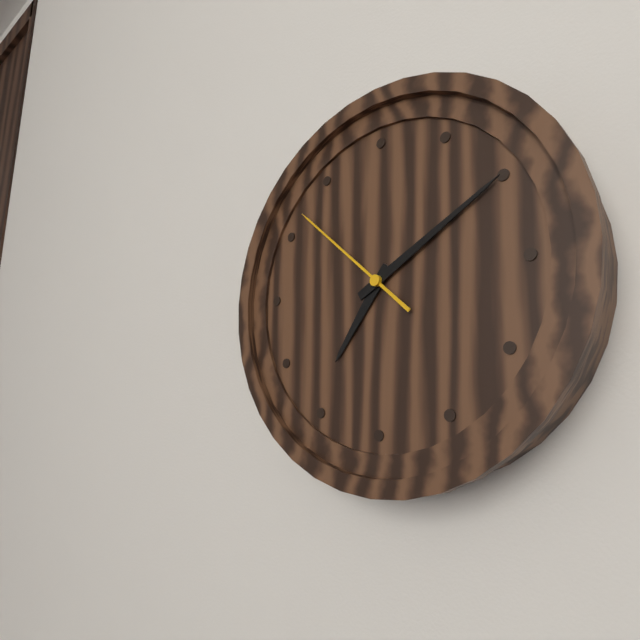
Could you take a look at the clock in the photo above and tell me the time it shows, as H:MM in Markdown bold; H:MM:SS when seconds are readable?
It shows **7:10:52**
